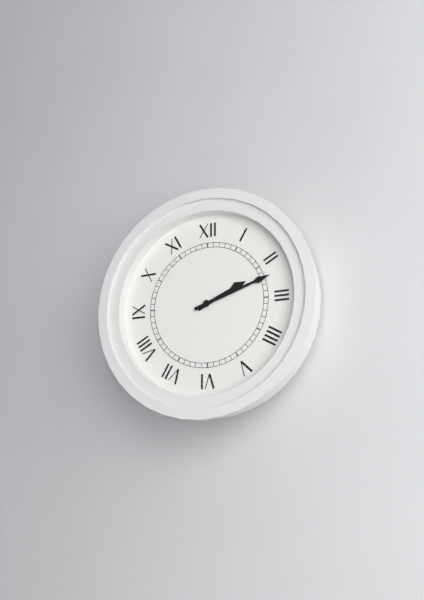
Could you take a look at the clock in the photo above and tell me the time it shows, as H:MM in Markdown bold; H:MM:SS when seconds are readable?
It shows **2:12**
